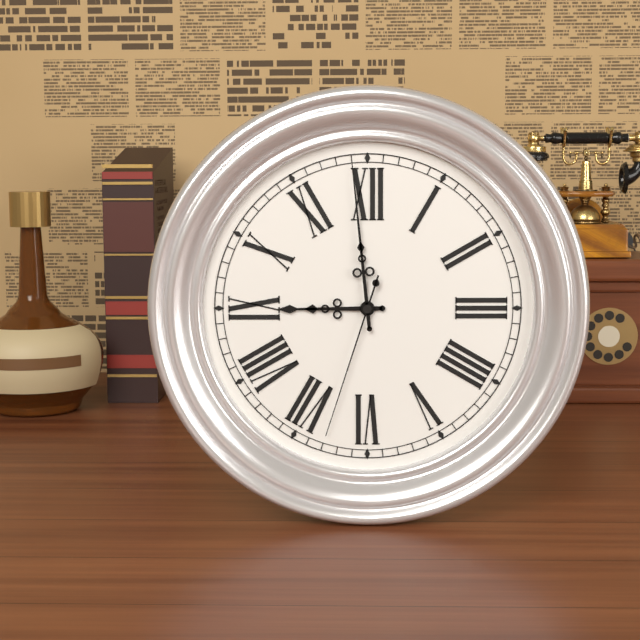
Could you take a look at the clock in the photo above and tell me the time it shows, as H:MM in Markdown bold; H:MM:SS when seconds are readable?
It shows **8:59:33**
